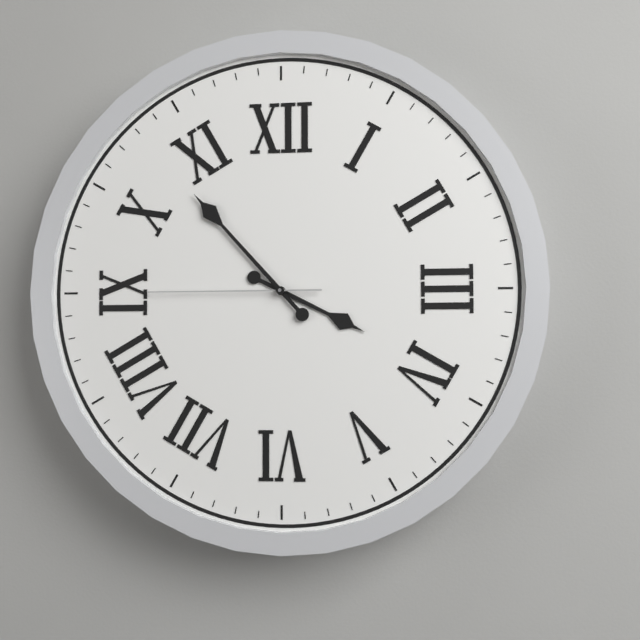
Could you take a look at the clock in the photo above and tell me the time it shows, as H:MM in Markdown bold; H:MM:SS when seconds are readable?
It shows **3:53:45**
